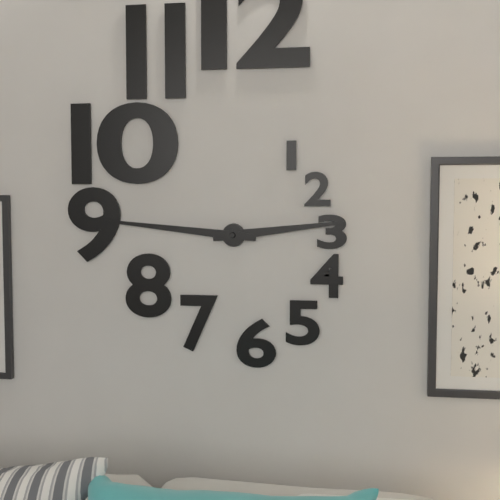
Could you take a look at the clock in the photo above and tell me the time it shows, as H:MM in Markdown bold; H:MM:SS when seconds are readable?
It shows **2:46**
